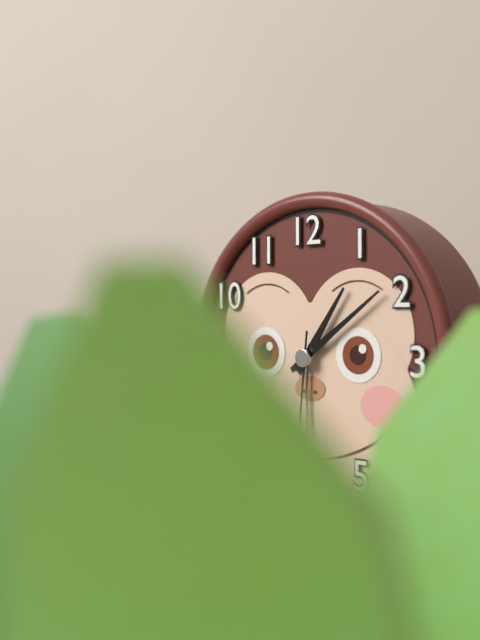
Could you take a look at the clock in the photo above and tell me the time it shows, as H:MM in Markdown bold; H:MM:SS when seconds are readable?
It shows **1:09**
